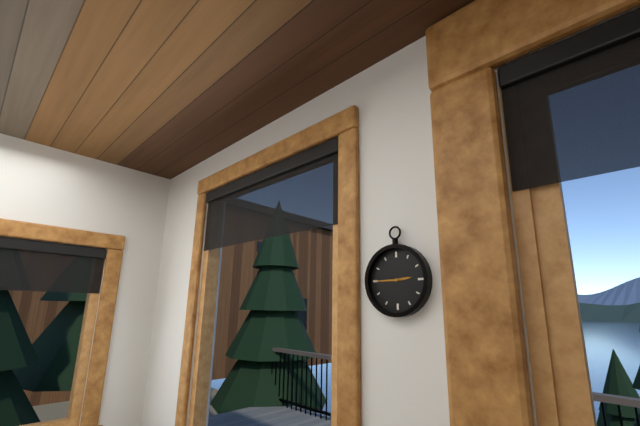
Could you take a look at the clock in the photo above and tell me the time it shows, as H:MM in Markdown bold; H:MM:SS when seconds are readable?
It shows **2:45**
